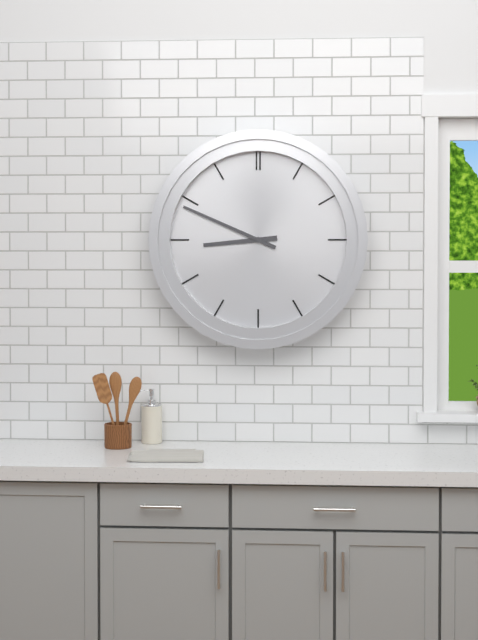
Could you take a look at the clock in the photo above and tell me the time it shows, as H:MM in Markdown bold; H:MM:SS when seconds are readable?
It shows **8:49**
